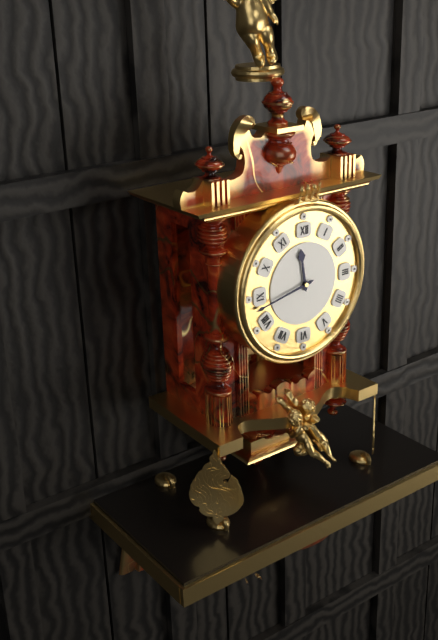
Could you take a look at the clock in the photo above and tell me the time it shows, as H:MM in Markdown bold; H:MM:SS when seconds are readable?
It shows **11:43**
